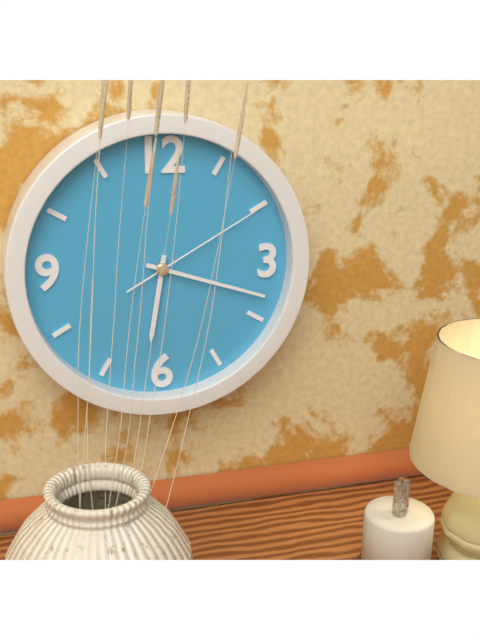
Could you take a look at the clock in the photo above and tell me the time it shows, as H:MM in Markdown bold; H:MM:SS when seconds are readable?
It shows **6:18:10**
